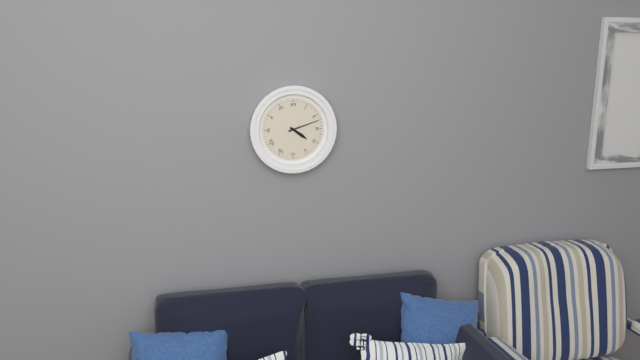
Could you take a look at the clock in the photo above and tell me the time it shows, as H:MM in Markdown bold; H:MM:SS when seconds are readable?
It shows **4:12**
